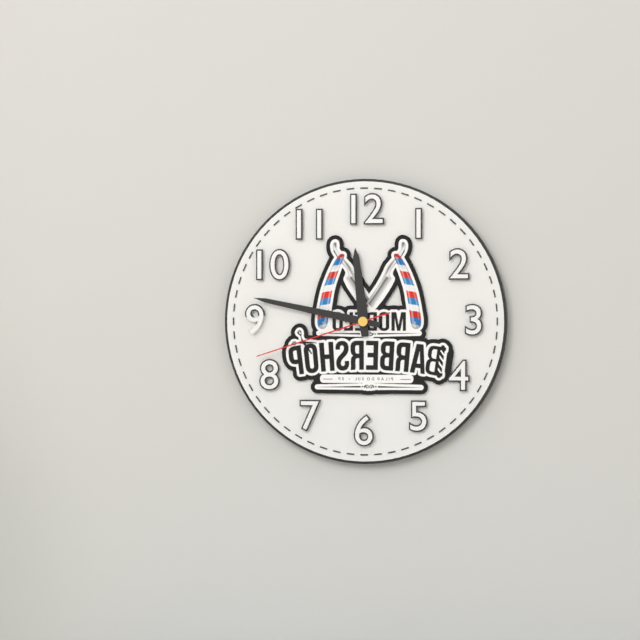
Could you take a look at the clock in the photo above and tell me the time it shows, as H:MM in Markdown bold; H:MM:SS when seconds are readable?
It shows **11:47:42**
